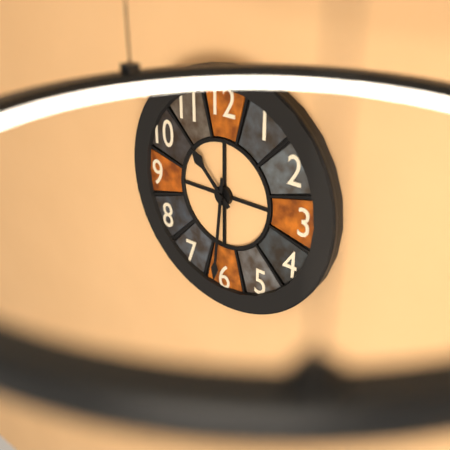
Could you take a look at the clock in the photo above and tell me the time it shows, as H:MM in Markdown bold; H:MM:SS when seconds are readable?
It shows **10:31**
